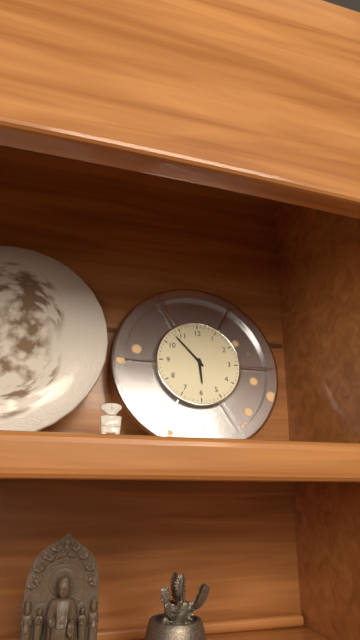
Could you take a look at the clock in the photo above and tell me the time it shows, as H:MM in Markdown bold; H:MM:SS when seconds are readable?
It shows **5:53**
